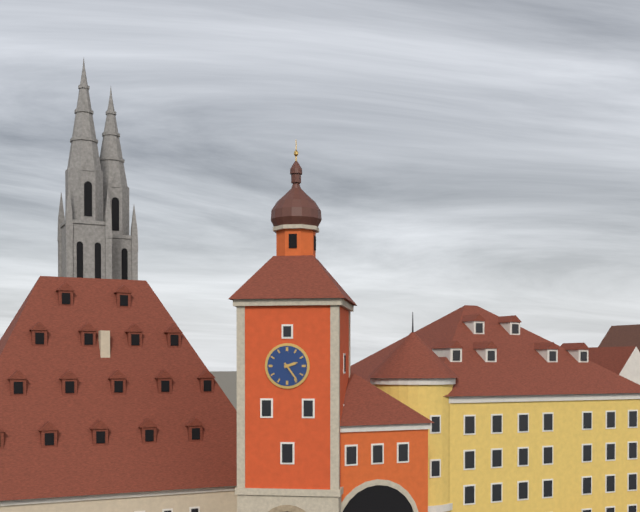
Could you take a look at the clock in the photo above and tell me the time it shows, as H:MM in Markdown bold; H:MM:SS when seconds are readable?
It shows **2:24**
